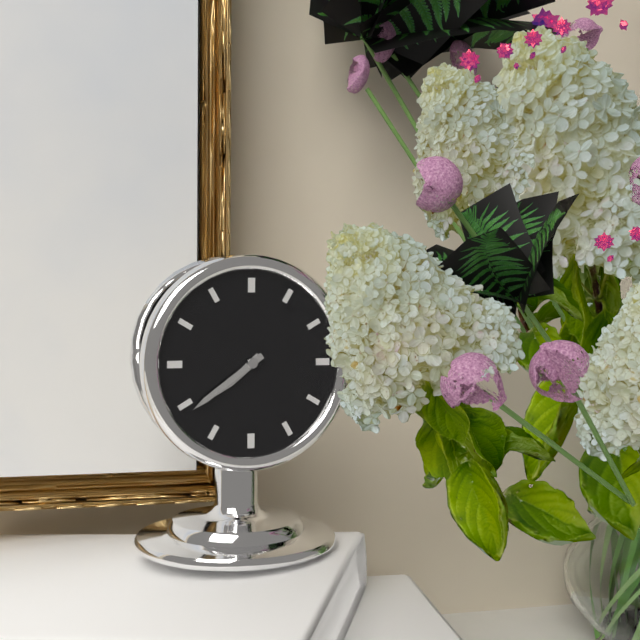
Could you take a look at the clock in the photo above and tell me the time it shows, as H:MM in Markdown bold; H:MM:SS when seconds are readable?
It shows **7:39**
